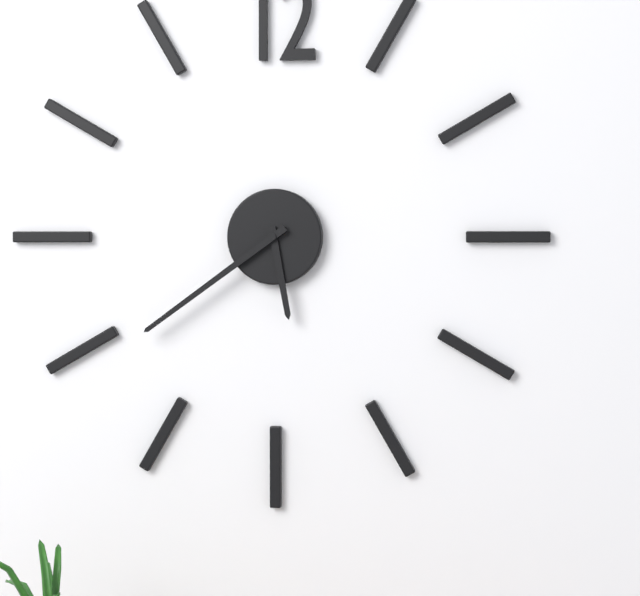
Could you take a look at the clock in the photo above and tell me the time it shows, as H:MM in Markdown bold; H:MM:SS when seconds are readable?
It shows **5:39**
